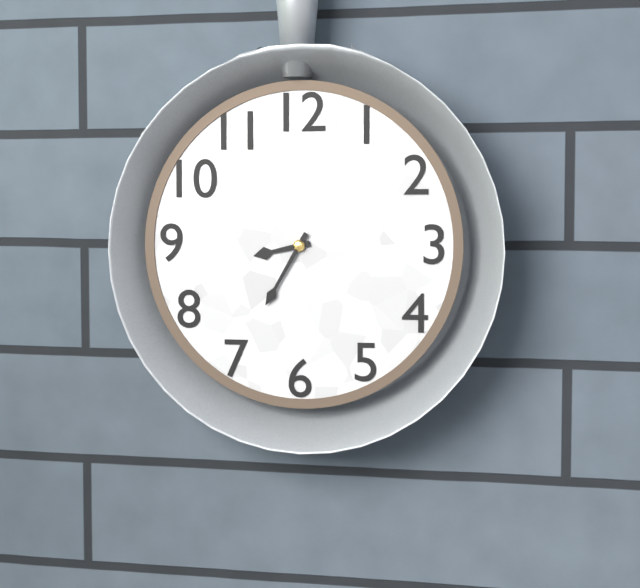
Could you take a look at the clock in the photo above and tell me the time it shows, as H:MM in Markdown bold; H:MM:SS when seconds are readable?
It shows **8:35**
